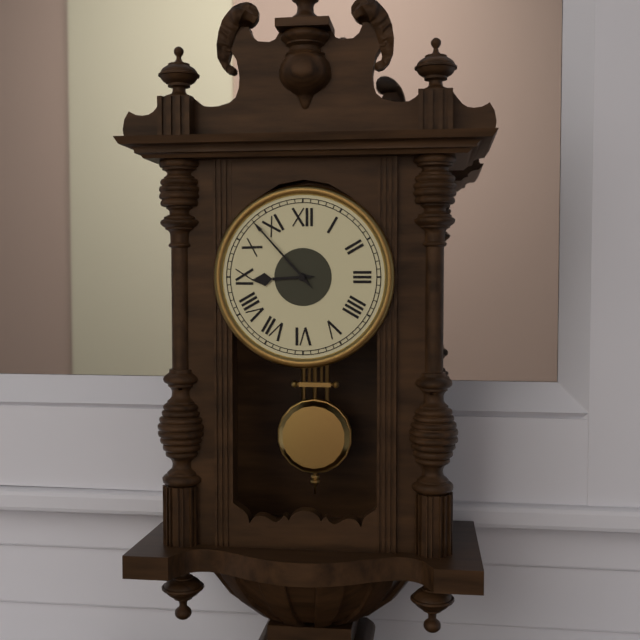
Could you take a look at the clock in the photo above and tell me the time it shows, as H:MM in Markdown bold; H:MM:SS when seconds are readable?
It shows **8:53**
